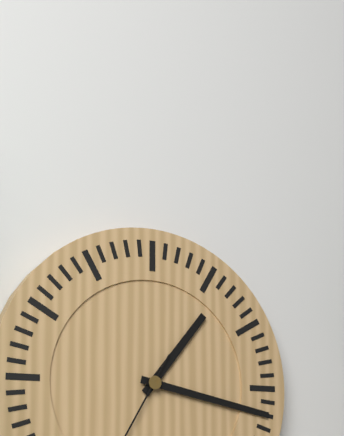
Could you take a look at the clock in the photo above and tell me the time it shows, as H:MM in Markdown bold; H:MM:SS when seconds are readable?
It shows **1:17**
